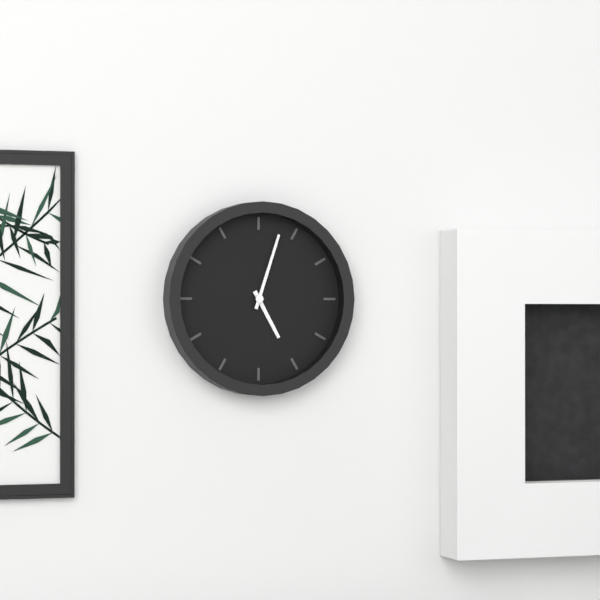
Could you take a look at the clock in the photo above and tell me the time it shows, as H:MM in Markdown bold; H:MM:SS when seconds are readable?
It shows **5:03**
